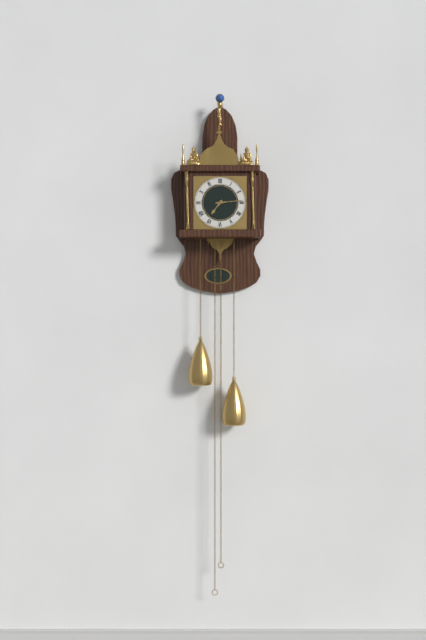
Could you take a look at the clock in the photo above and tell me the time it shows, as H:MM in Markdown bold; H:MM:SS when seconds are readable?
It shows **7:14**
